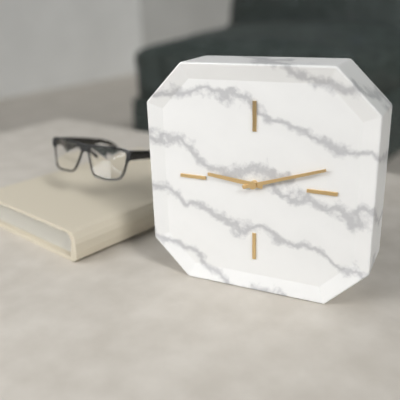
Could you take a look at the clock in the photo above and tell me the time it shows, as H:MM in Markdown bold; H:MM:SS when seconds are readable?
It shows **9:12**
